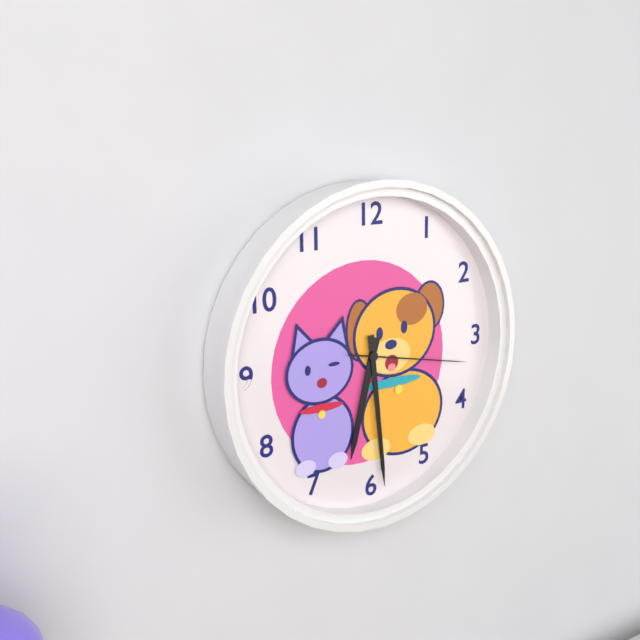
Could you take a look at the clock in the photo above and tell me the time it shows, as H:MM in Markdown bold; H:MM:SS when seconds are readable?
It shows **6:29:17**
